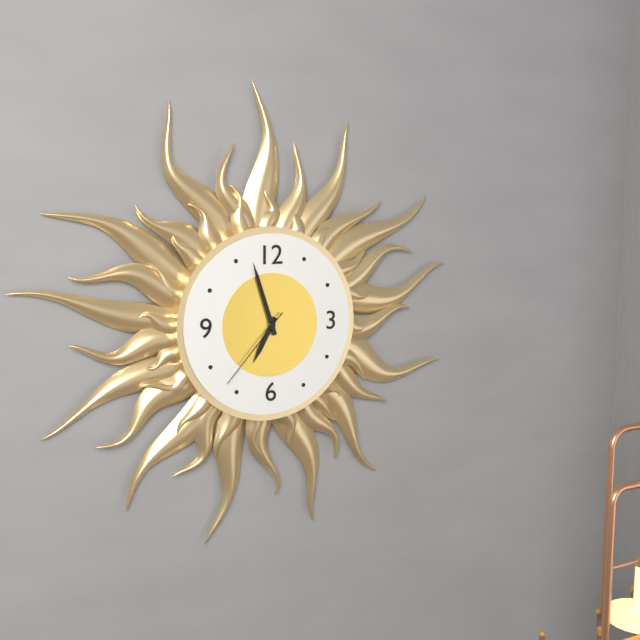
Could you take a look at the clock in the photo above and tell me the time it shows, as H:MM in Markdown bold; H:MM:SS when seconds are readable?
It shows **6:57:37**
